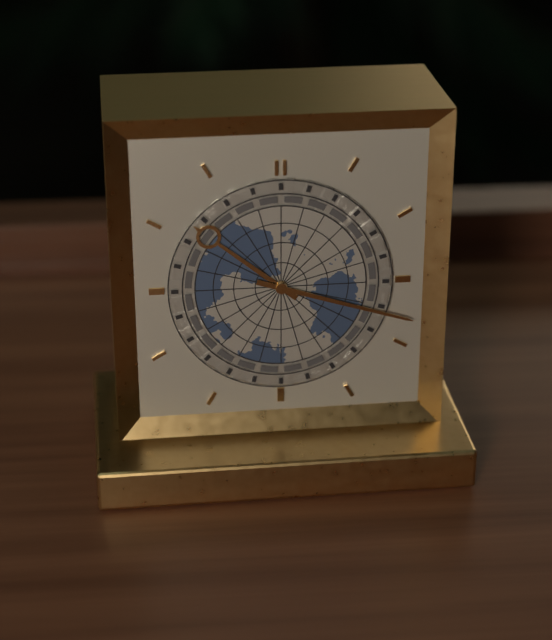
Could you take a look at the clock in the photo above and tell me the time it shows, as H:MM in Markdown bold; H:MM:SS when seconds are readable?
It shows **10:18**
